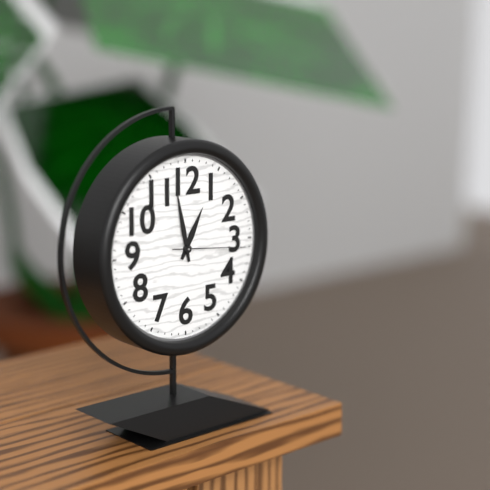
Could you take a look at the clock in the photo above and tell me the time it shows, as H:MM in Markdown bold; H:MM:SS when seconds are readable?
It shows **12:58:16**
